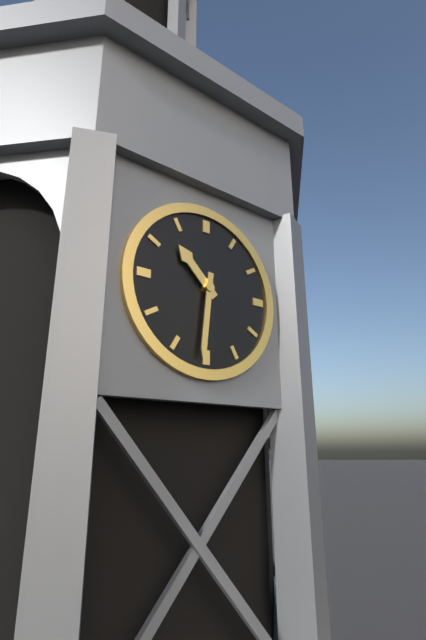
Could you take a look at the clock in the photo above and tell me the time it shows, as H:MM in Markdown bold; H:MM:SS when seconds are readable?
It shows **10:31**
